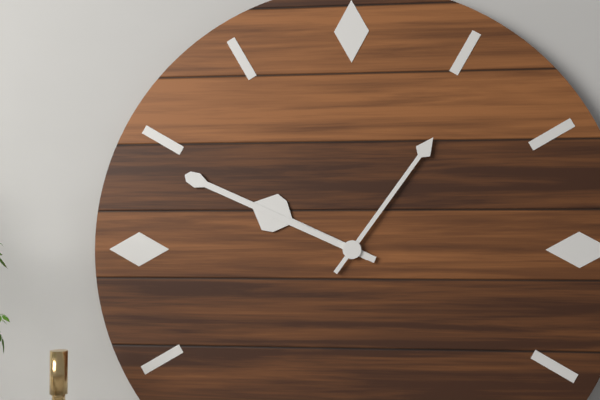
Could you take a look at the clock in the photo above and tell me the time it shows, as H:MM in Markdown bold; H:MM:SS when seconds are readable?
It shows **9:49:06**
